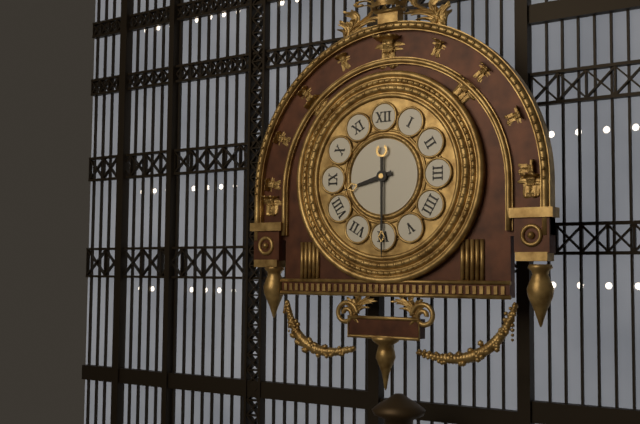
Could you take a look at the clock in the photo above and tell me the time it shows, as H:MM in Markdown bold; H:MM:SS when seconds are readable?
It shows **8:30**
